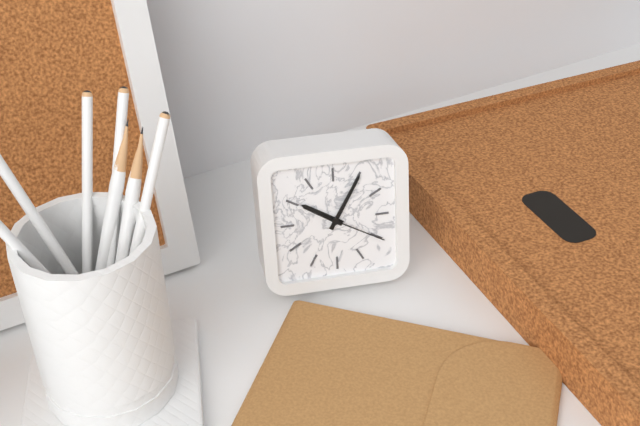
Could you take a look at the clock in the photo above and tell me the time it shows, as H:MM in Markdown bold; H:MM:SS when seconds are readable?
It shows **10:05:20**
